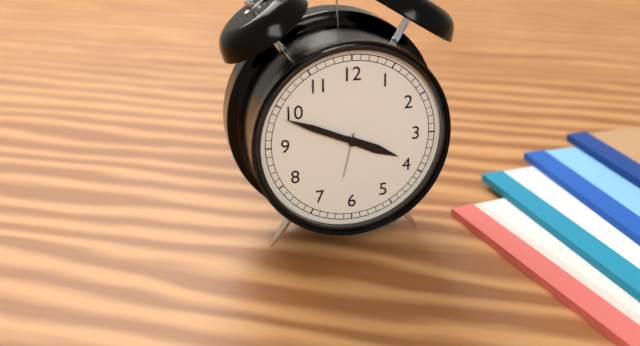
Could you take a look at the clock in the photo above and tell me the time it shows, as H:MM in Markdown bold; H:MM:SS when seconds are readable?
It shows **3:49**
